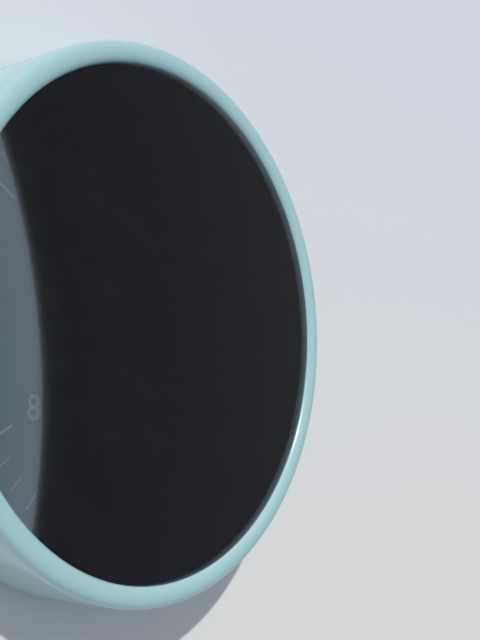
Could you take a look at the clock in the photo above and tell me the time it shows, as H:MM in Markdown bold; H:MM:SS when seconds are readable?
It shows **3:05:25**
